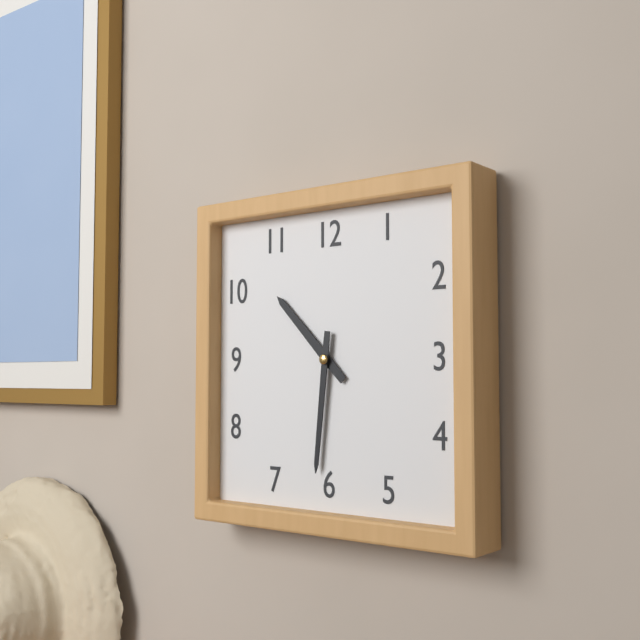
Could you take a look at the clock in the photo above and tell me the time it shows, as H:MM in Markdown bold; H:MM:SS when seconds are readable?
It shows **10:31**
